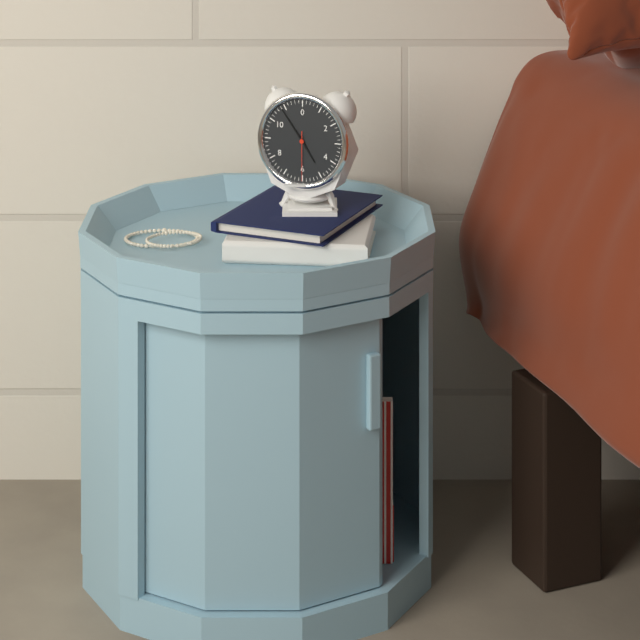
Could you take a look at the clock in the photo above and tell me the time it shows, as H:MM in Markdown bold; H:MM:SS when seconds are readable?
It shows **4:54:30**
